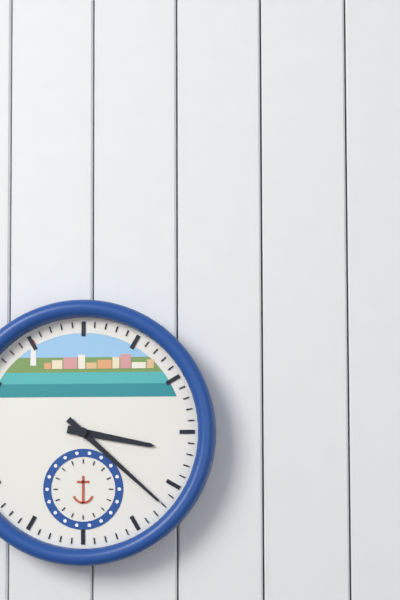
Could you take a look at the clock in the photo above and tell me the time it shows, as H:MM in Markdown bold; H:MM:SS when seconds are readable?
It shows **3:22**
